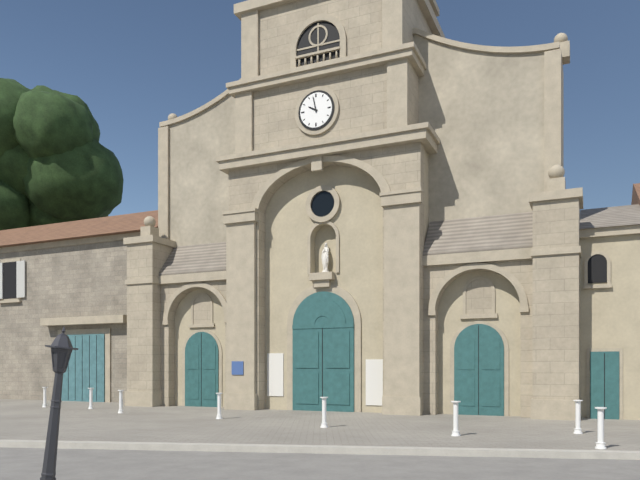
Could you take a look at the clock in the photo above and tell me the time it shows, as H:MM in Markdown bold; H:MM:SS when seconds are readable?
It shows **9:58**
